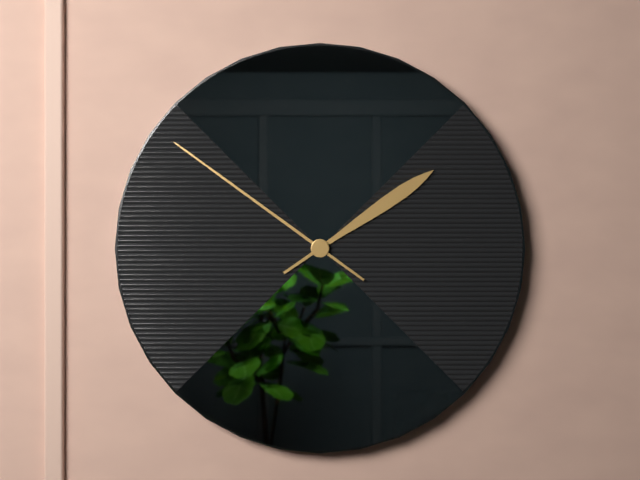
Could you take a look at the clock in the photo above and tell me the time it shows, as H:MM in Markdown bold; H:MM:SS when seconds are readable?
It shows **1:51**
